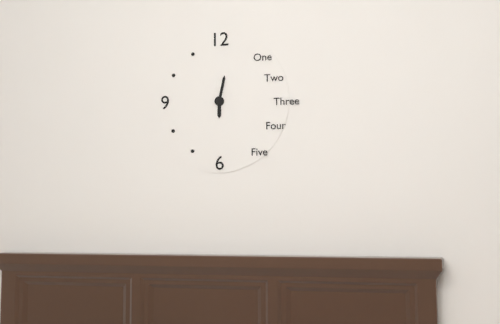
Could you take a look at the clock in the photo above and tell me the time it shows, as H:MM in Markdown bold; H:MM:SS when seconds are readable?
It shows **6:02**
